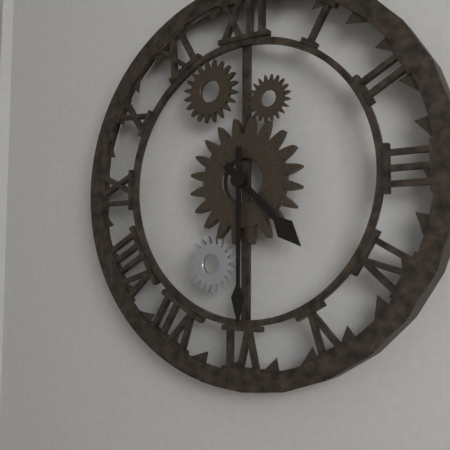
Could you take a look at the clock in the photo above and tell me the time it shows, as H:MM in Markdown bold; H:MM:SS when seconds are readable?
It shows **4:30**
